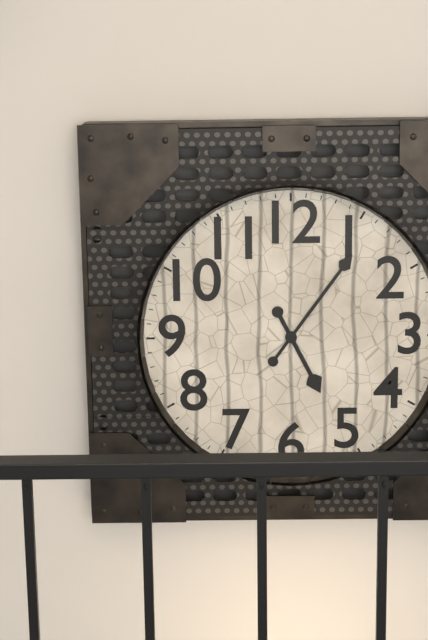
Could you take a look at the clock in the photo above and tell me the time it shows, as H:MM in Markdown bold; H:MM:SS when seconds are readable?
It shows **5:06**
